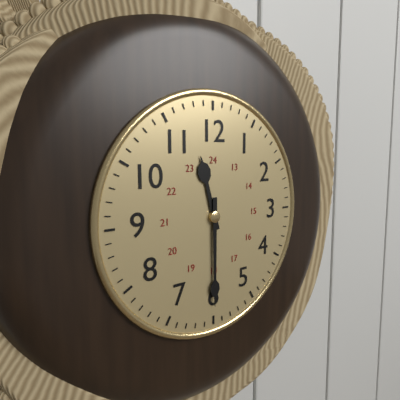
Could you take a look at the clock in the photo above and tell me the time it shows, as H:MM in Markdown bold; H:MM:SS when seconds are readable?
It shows **11:30**
